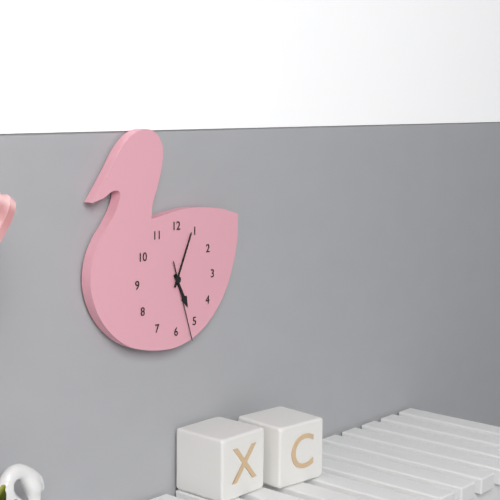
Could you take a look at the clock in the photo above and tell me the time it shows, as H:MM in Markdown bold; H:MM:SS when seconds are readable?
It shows **5:04:27**
